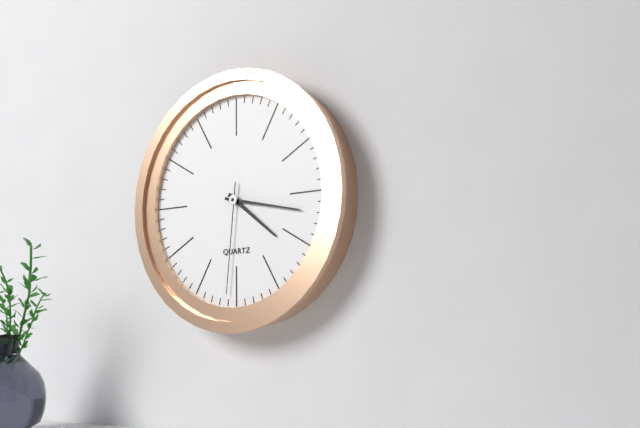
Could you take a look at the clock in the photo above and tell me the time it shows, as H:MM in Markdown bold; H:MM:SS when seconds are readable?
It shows **4:17:31**
